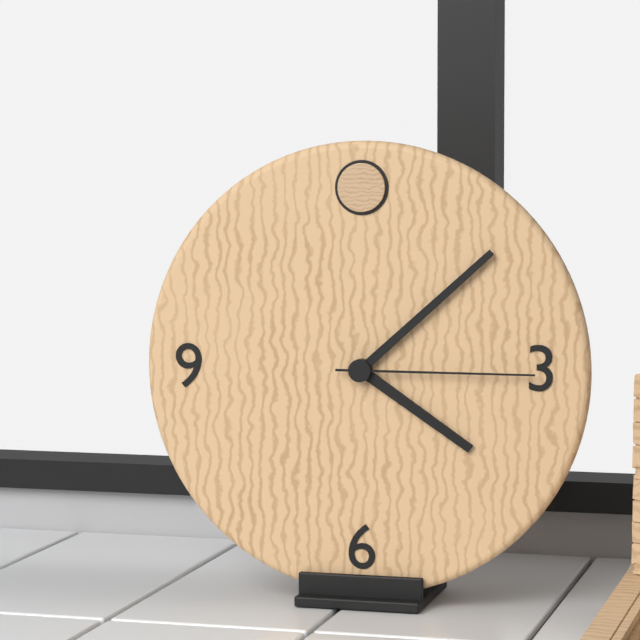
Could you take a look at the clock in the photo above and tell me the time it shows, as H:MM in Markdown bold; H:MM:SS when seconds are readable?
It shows **4:08:15**
